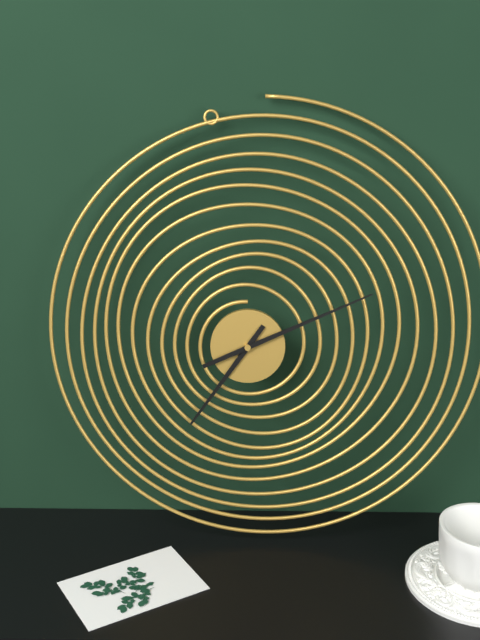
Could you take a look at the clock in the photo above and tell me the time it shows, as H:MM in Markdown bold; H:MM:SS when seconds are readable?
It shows **7:11**
